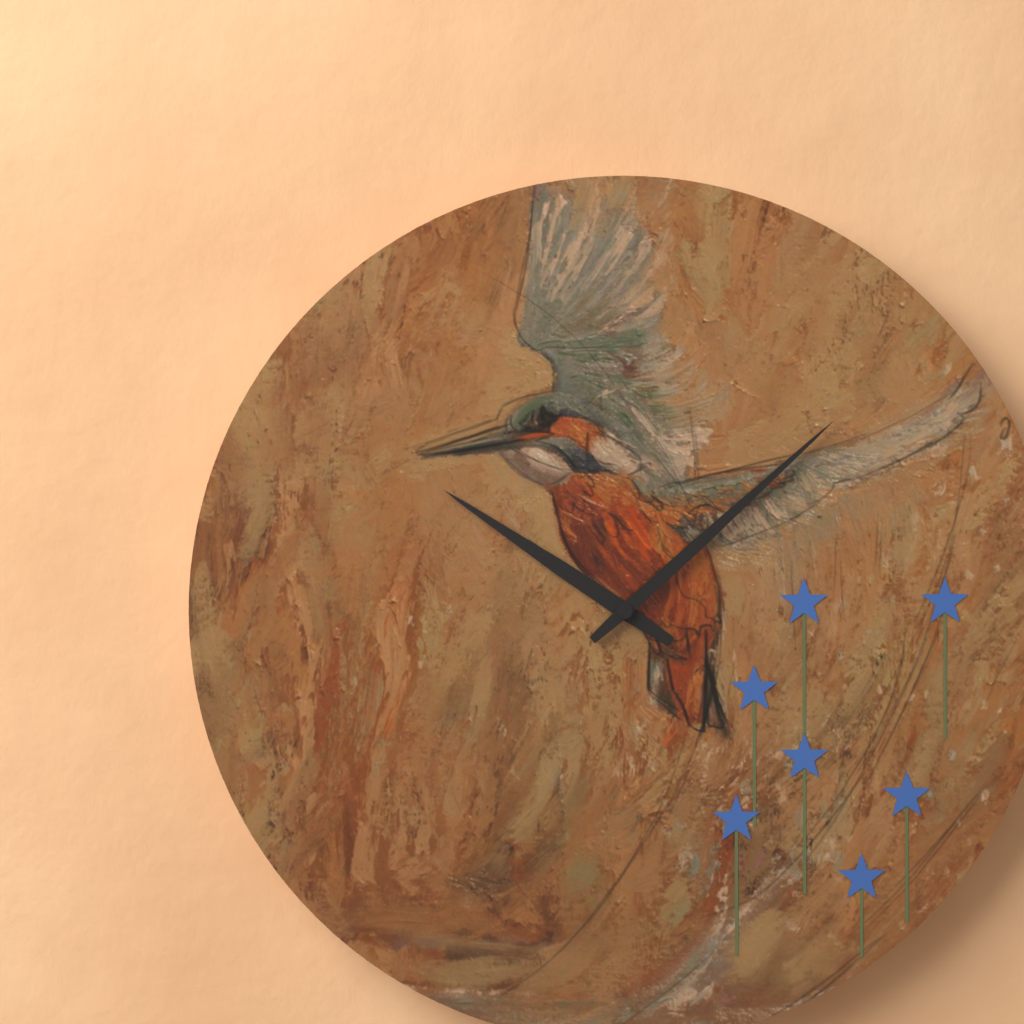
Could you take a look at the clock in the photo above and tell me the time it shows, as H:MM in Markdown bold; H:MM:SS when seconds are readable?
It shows **10:08**
